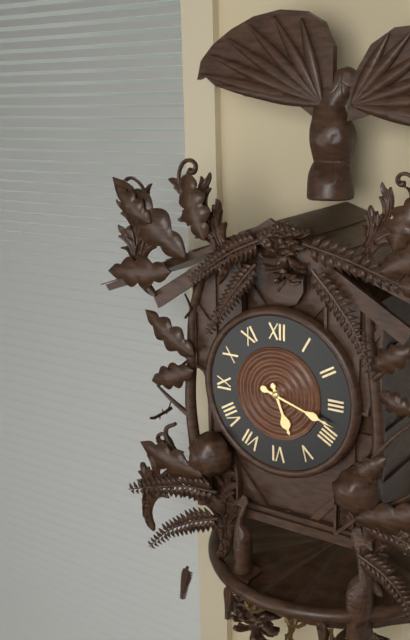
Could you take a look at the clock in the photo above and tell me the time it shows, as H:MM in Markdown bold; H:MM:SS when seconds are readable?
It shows **5:18**
